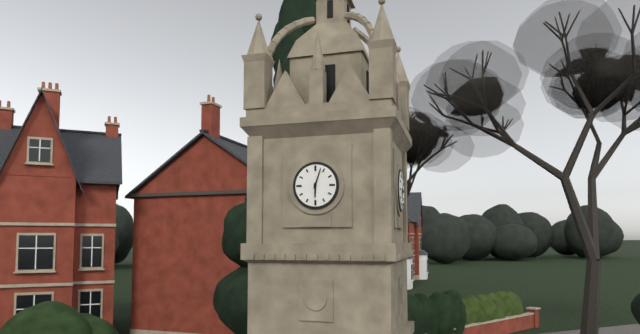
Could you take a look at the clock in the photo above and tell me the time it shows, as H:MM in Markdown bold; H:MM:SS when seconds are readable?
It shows **6:03**
